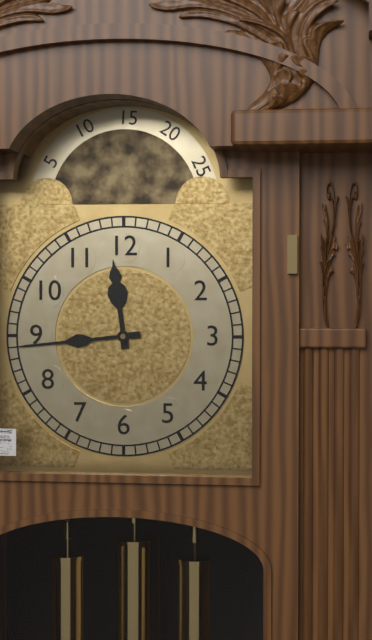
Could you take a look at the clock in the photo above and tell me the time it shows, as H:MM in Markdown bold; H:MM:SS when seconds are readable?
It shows **11:44**
